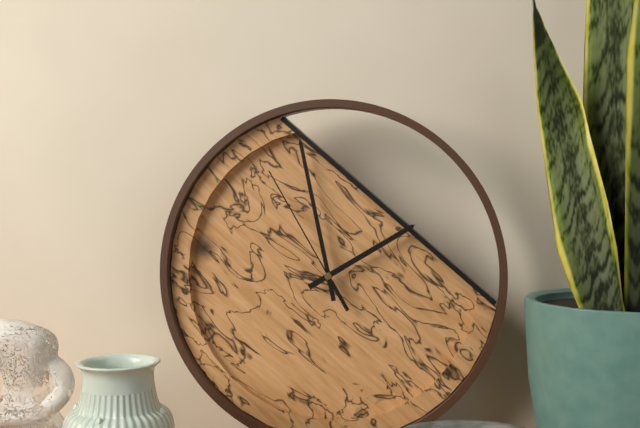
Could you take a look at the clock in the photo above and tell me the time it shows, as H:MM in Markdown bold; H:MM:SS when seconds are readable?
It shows **1:58:55**
